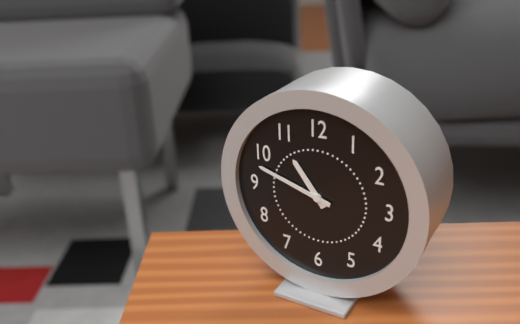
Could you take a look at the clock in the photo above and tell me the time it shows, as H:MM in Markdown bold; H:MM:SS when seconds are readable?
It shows **10:48**
